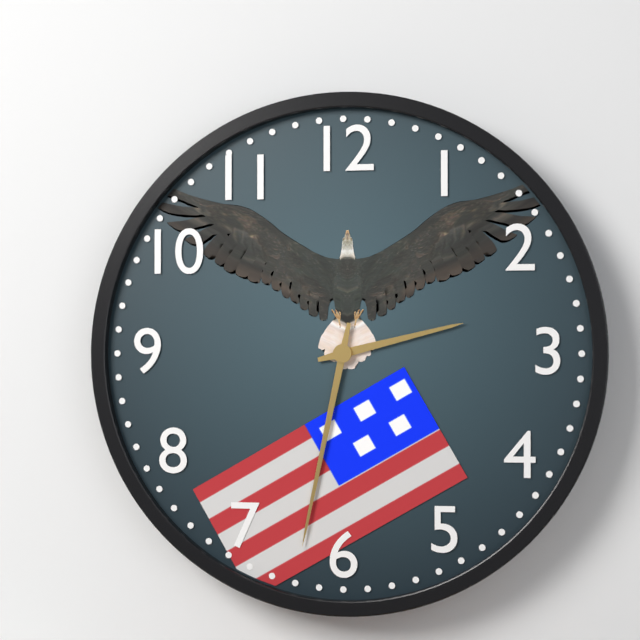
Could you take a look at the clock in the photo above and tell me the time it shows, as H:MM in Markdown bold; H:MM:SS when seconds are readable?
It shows **2:32**
